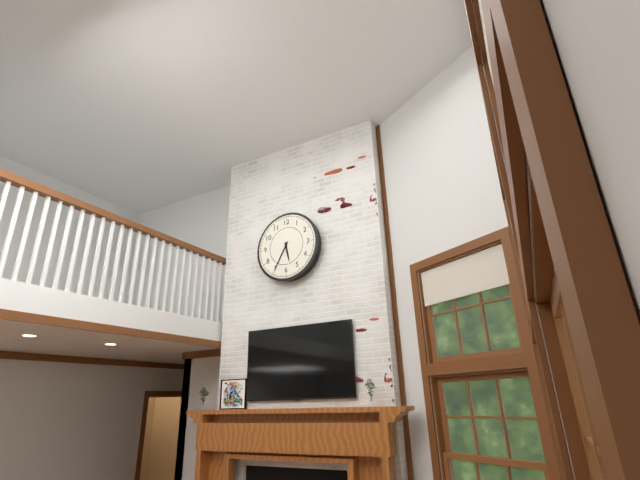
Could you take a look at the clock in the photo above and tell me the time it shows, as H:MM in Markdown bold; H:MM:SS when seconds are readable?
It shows **5:35**
